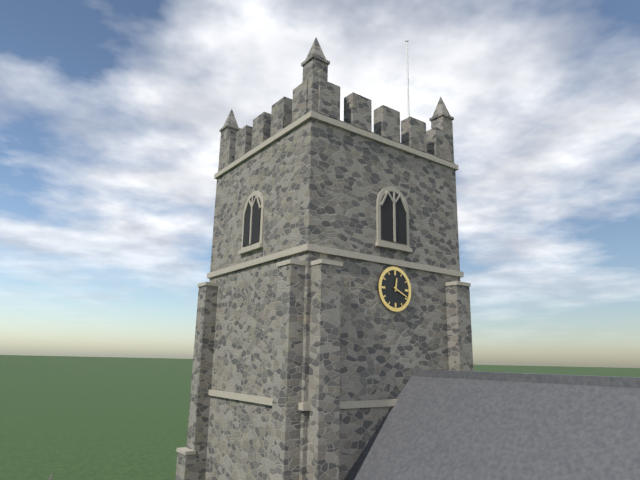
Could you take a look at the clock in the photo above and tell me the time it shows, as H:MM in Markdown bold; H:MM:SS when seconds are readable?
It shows **12:19**
